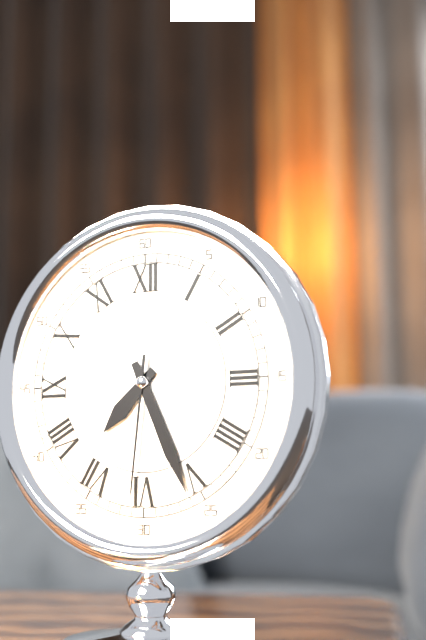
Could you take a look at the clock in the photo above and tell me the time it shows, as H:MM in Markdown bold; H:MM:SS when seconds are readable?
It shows **7:26:31**
